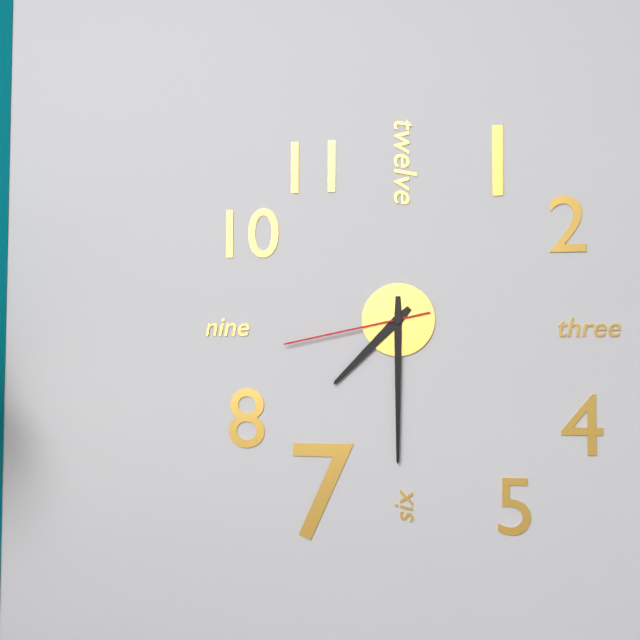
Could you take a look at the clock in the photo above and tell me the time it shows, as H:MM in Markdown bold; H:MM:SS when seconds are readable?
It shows **7:30:43**
